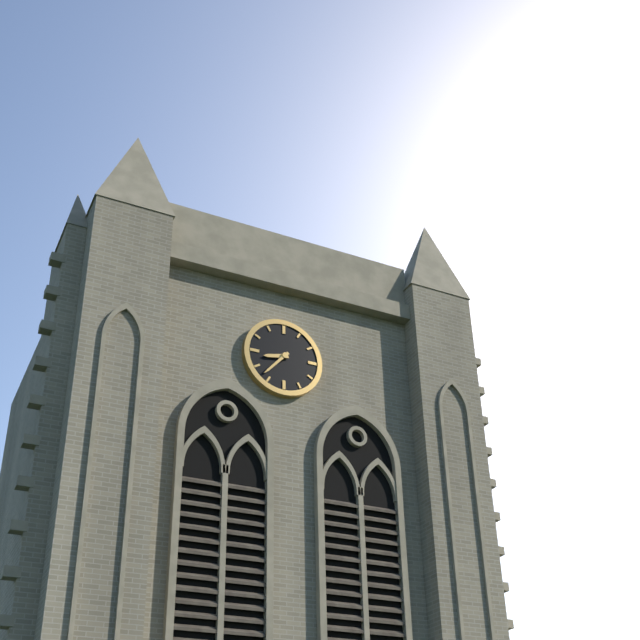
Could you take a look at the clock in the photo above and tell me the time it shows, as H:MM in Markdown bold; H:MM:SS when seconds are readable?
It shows **8:37**
